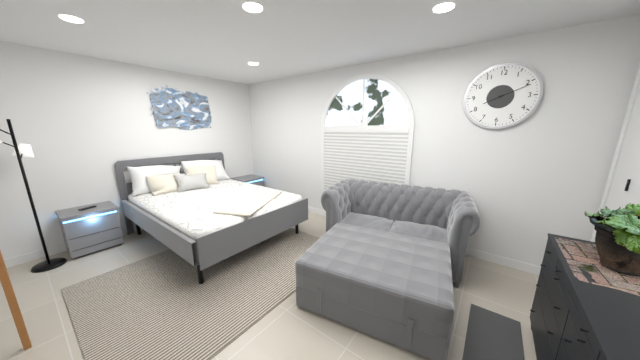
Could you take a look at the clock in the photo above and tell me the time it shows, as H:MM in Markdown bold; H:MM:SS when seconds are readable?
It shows **8:11**
